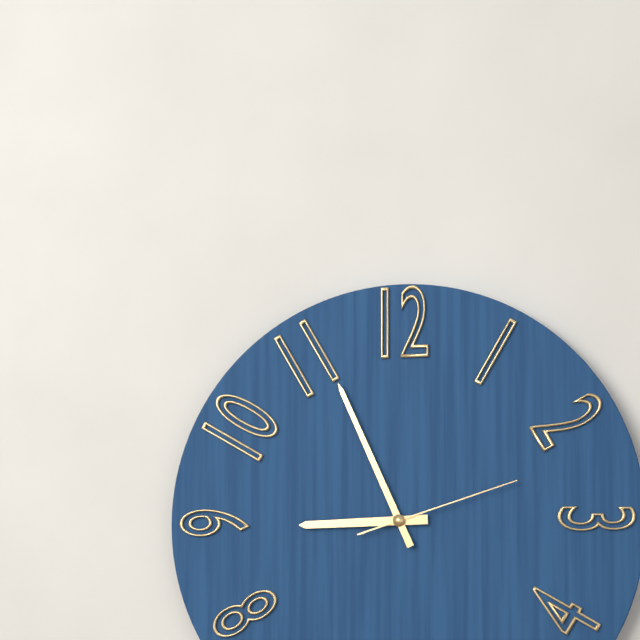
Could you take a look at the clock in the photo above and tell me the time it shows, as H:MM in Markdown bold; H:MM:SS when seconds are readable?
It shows **8:56:12**
